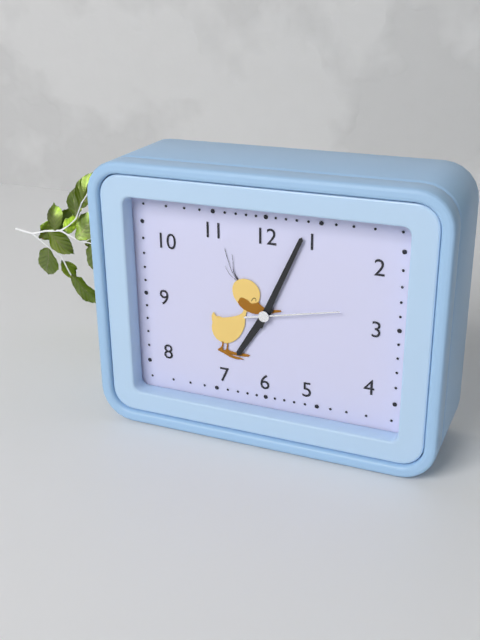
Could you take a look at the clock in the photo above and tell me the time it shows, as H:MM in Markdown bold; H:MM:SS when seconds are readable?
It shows **7:04:13**
